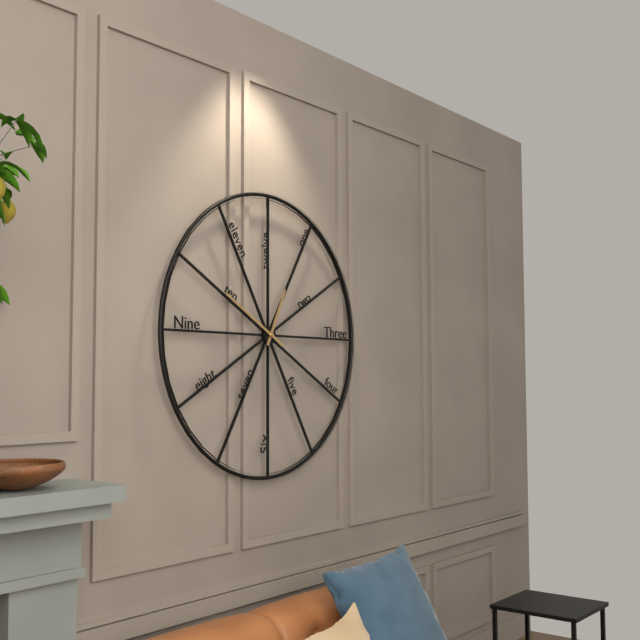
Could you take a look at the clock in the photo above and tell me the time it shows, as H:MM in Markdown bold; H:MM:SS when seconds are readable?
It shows **12:50**
